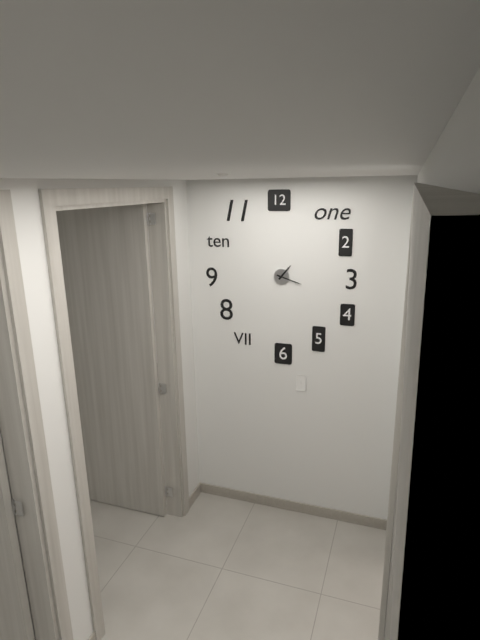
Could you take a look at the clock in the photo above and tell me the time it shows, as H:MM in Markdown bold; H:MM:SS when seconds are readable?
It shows **1:18**
